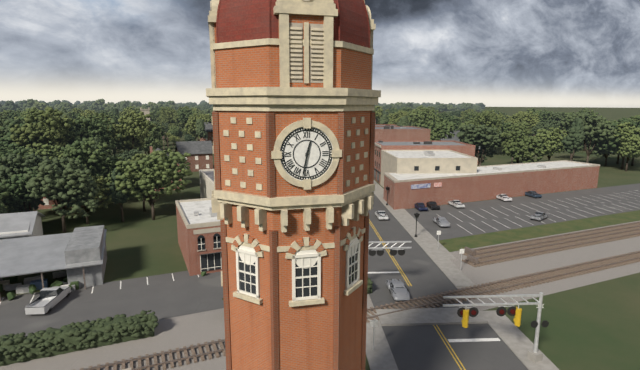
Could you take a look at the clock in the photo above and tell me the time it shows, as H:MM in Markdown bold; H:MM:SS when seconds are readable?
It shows **12:32**
